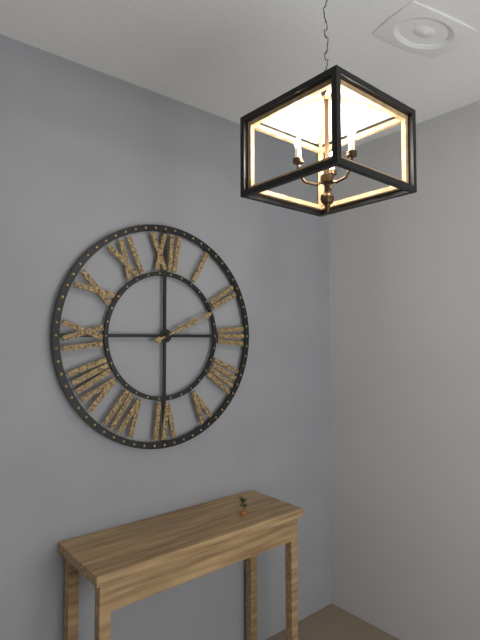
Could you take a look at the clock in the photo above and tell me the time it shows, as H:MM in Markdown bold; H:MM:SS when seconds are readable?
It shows **2:11**
